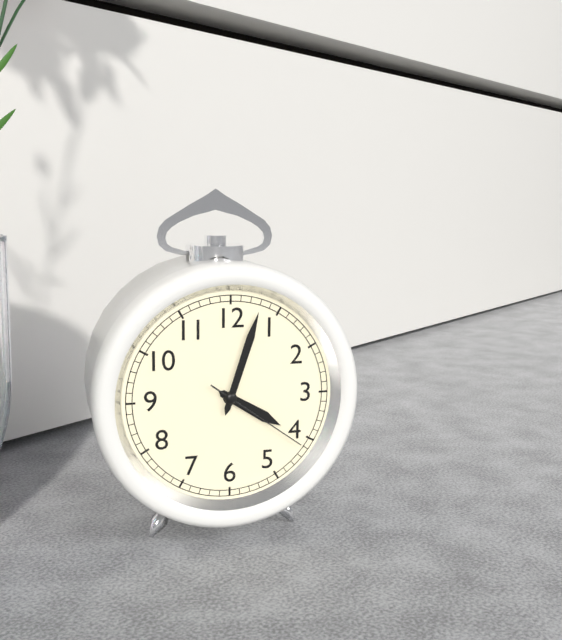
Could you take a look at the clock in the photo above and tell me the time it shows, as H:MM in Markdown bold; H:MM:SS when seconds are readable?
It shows **4:03:21**
